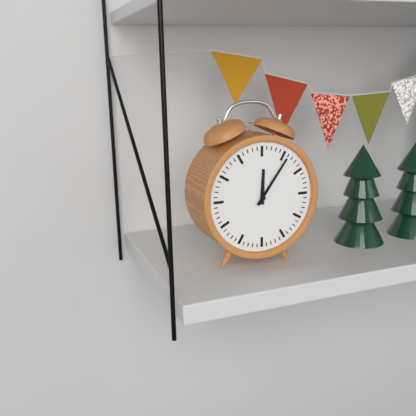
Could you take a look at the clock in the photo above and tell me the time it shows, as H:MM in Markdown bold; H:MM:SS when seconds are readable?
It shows **12:06**
